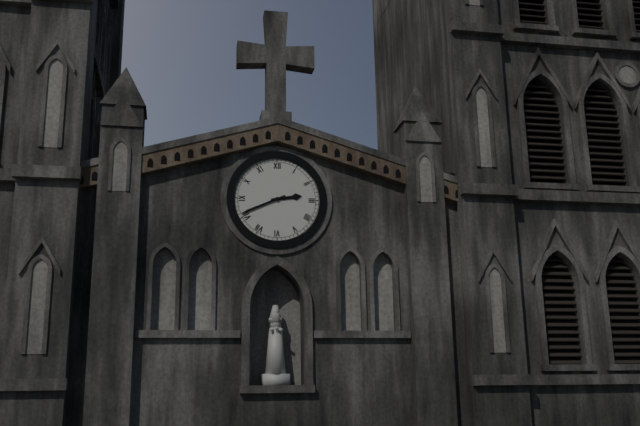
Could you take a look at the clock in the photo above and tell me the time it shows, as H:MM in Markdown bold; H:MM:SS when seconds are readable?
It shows **2:41**
